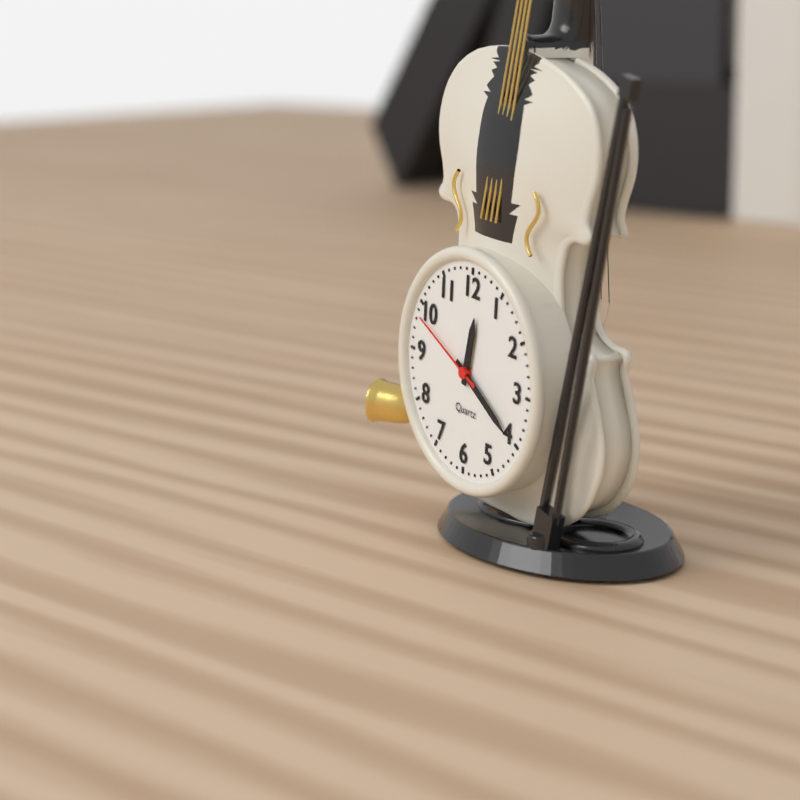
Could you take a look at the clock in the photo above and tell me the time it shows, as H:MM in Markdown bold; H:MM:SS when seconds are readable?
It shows **12:20:49**
